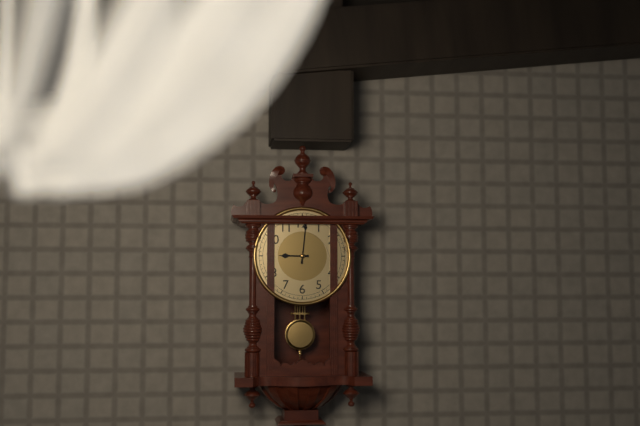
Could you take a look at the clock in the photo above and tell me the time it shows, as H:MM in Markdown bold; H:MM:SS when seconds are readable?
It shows **9:01**
